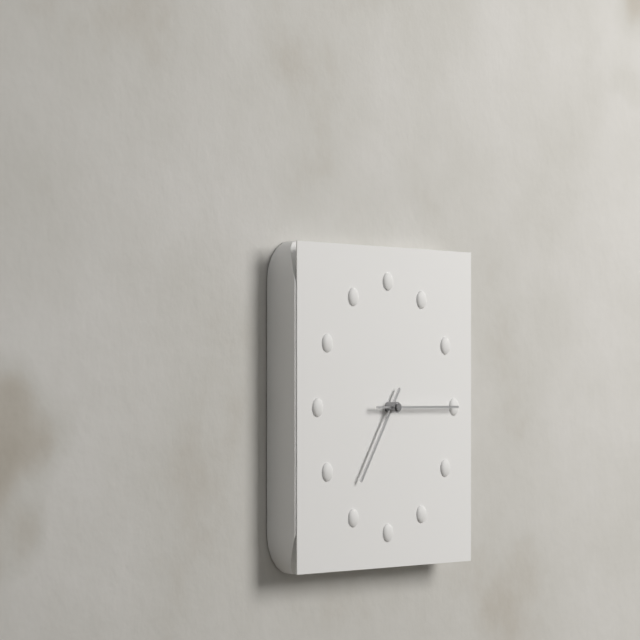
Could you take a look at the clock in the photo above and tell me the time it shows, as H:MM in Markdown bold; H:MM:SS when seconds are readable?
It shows **7:15**
